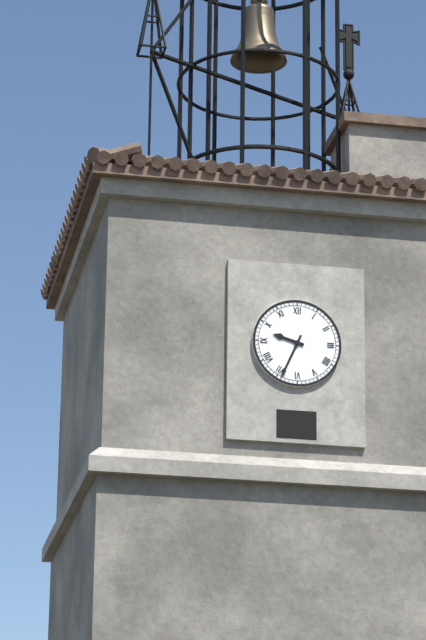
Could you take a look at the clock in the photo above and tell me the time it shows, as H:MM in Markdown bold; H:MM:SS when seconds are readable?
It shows **9:34**
